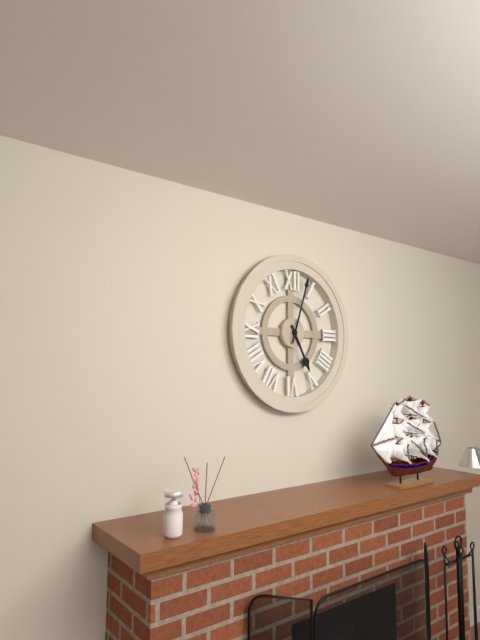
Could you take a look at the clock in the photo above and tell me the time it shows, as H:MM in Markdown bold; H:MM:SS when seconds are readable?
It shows **5:03**
